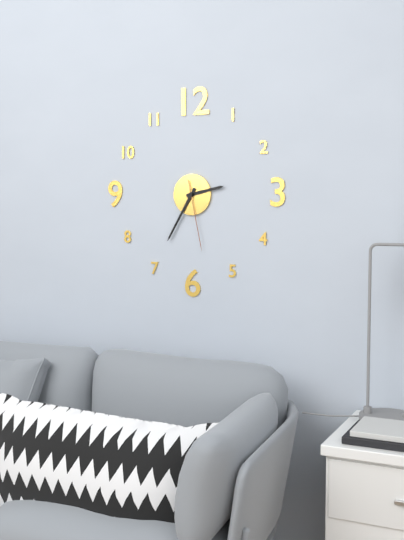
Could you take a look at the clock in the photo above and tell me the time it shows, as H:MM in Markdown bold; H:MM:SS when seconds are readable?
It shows **2:35:28**
